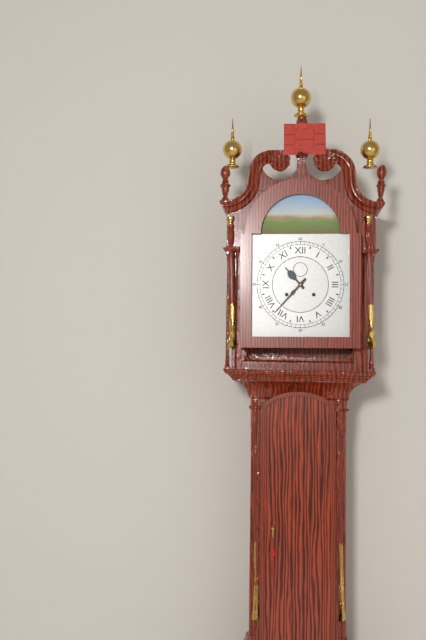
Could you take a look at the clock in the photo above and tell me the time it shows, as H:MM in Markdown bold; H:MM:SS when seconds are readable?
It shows **10:37**
